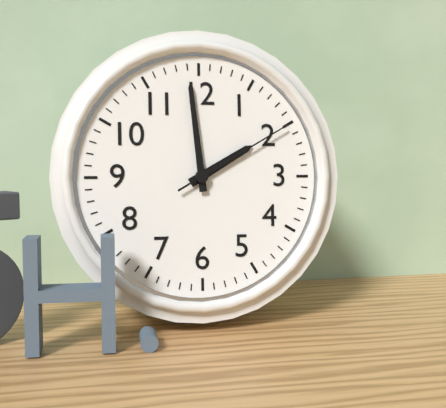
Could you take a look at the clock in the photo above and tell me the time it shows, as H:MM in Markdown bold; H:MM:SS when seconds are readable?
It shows **1:59:10**
